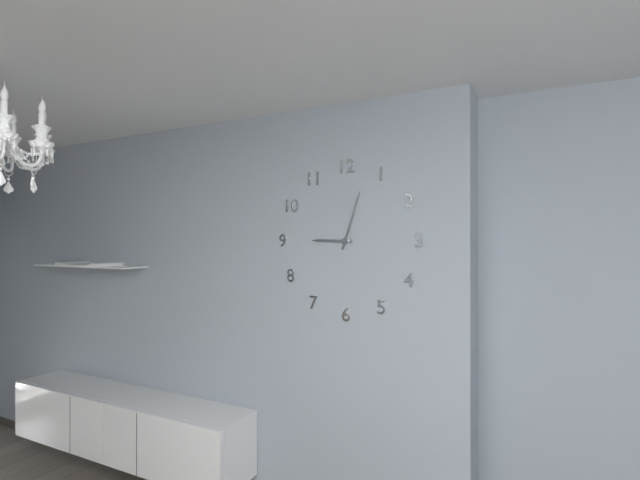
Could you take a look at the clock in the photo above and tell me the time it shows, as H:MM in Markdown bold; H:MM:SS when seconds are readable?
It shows **9:03**
